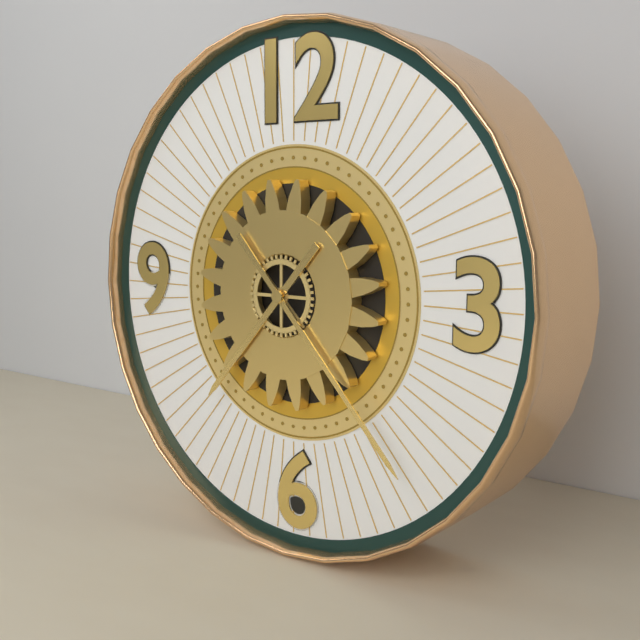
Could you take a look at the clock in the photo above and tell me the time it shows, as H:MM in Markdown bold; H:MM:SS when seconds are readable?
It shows **7:23**
